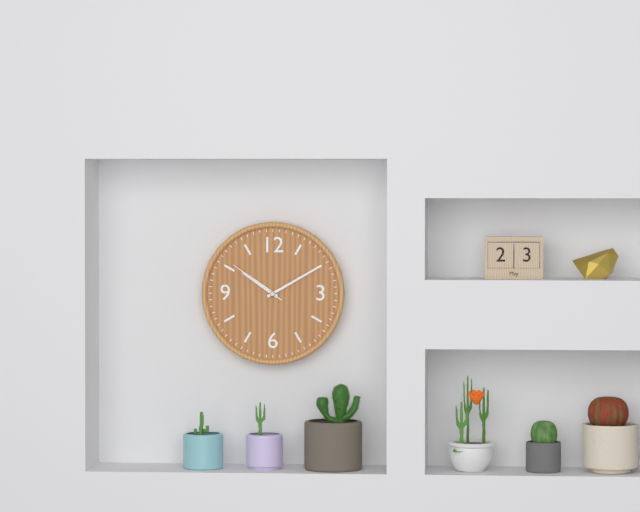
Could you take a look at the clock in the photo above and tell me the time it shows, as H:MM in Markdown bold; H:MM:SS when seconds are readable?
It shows **10:10:51**
